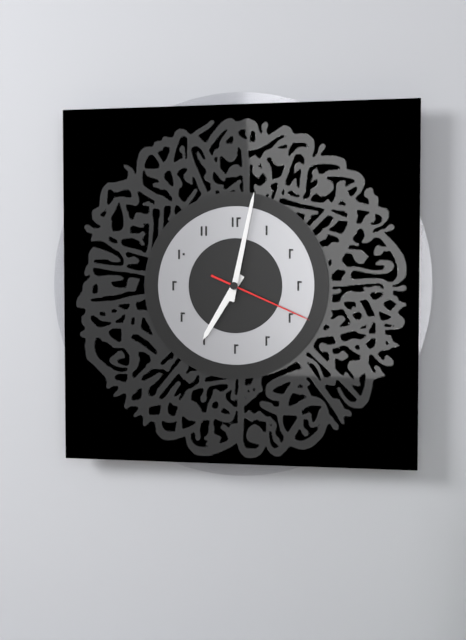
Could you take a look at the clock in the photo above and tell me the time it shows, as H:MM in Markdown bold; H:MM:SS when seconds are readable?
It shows **7:02:19**
